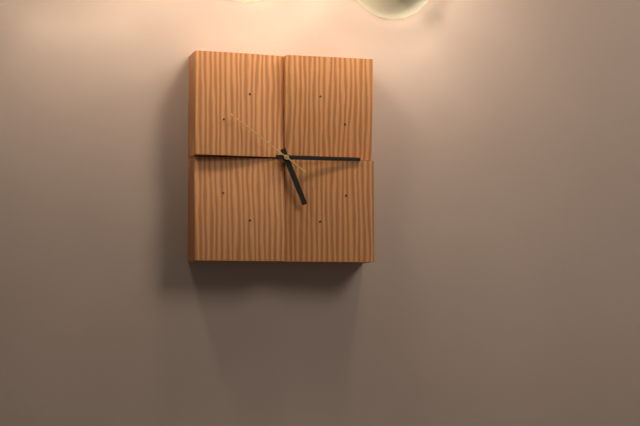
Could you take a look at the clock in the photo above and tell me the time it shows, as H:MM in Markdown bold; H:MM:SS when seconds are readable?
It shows **5:15:51**
